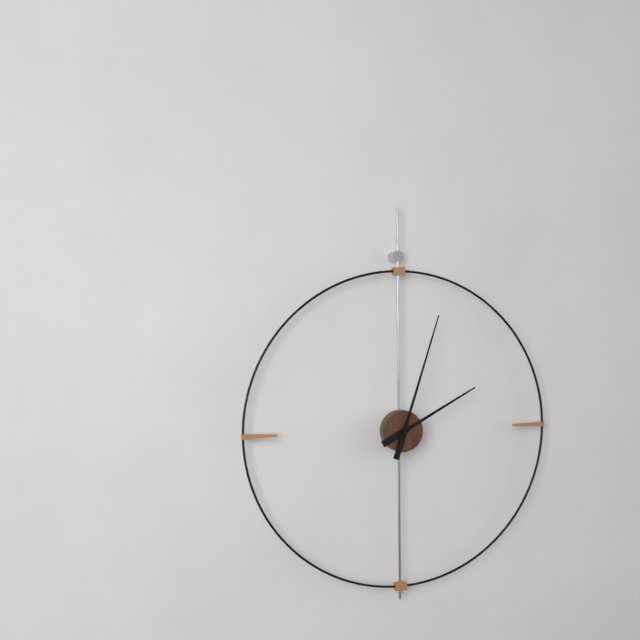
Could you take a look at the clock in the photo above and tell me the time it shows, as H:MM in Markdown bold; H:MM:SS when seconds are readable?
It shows **2:03**
